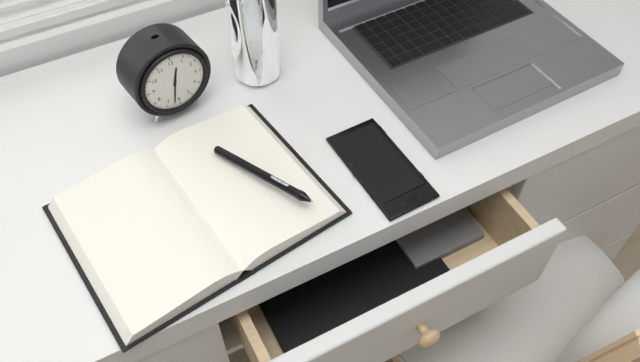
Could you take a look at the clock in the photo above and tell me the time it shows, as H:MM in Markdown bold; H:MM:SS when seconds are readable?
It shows **12:32**
